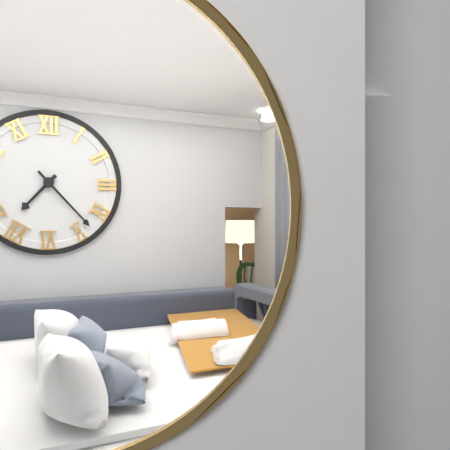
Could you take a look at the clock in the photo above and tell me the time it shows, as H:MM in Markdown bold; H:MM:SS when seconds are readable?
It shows **7:23**
